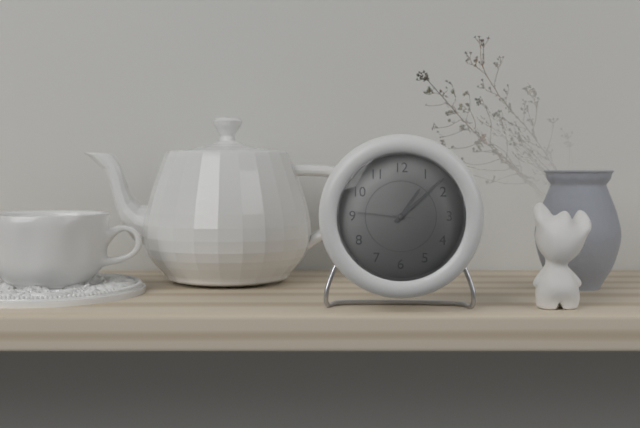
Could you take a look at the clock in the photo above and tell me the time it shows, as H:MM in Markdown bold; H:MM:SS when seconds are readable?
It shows **1:08:46**
